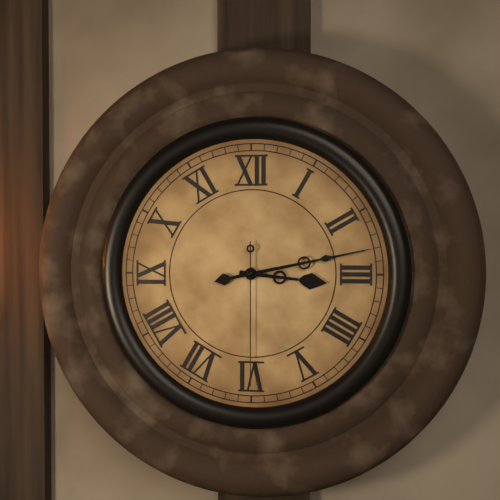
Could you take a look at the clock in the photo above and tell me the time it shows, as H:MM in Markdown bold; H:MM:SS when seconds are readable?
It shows **3:13:30**
